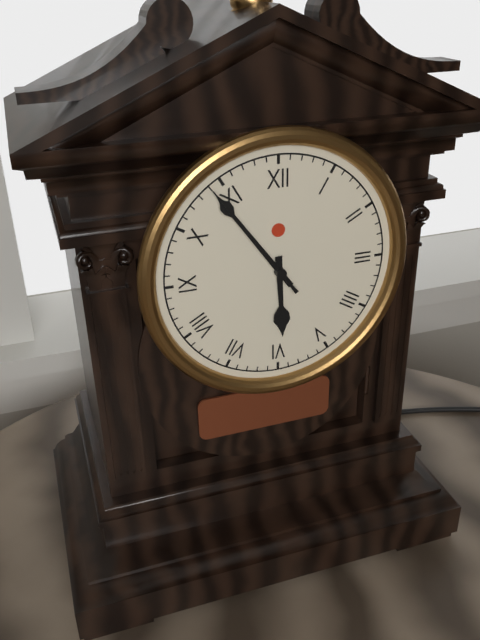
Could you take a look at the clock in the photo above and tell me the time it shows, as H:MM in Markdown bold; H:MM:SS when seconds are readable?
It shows **5:54:54**
